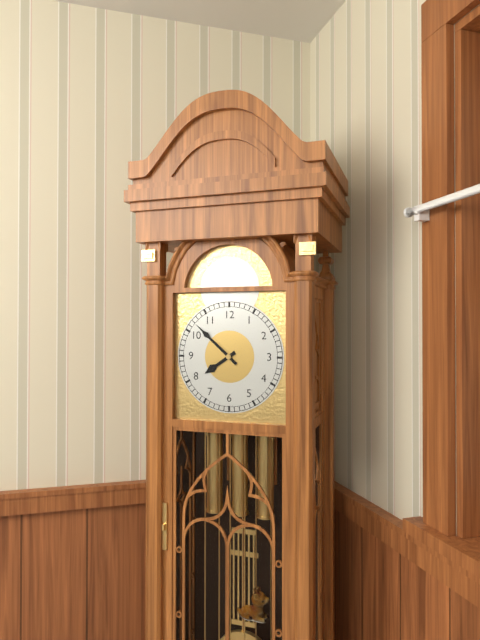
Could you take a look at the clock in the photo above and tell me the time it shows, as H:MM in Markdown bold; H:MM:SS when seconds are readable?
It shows **7:52**
